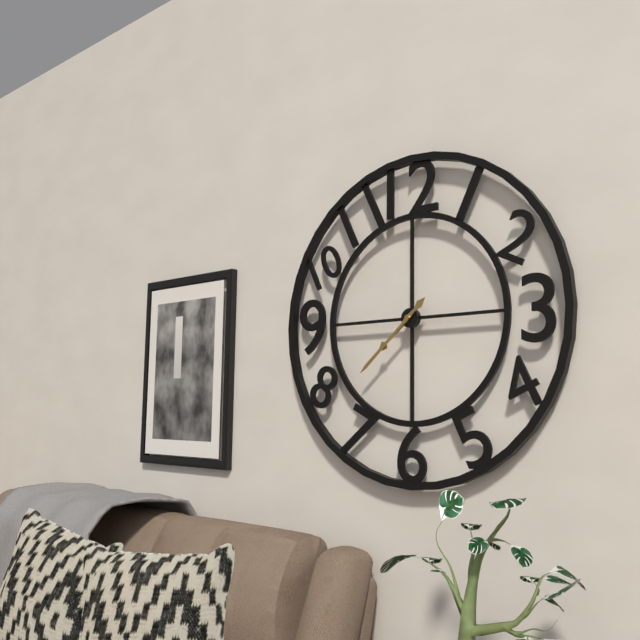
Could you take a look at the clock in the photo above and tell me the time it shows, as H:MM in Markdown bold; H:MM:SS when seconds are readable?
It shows **7:38**
